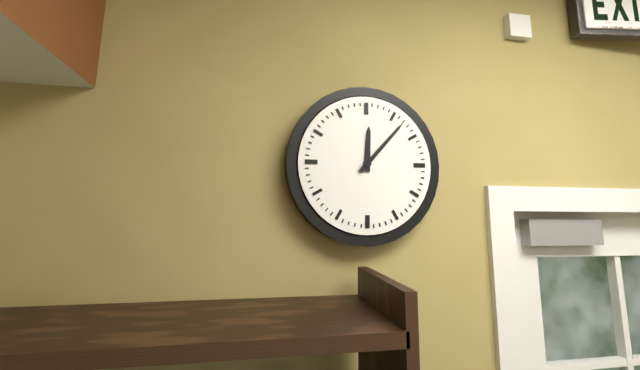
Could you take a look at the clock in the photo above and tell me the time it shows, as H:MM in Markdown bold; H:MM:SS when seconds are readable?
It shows **12:07**
